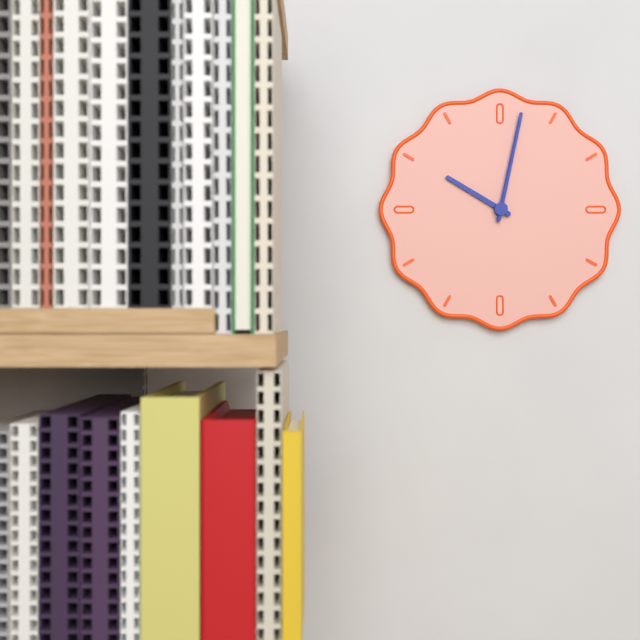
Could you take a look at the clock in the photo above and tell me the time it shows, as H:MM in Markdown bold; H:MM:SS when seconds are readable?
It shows **10:02:02**
